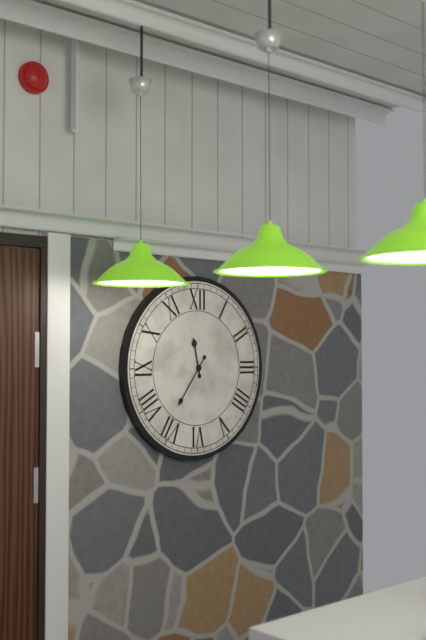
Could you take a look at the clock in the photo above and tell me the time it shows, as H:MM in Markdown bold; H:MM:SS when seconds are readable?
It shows **11:36**
